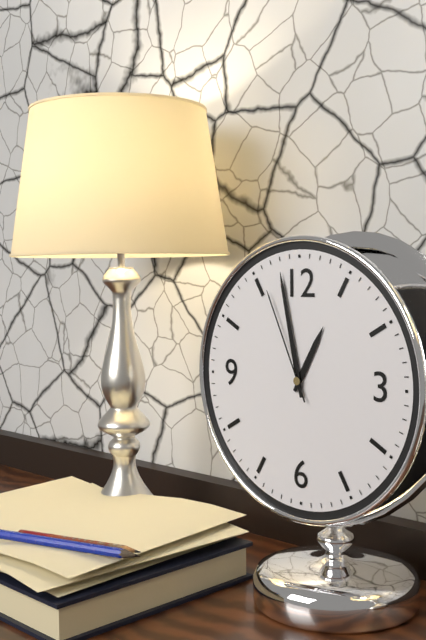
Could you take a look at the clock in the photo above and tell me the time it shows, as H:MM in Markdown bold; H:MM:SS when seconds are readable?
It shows **12:58:56**
